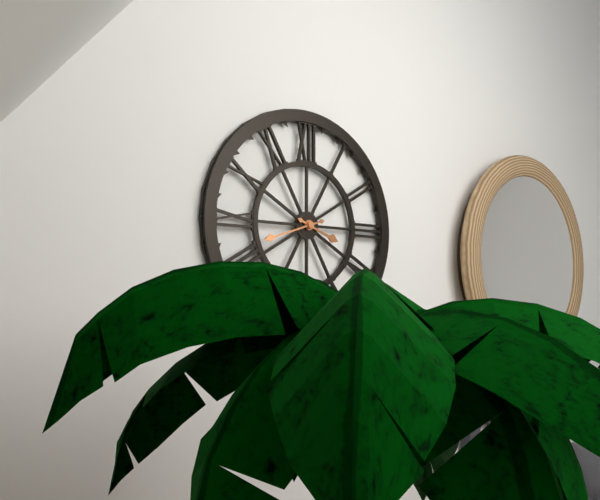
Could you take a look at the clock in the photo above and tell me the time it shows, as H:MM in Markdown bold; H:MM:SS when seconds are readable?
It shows **3:42**
